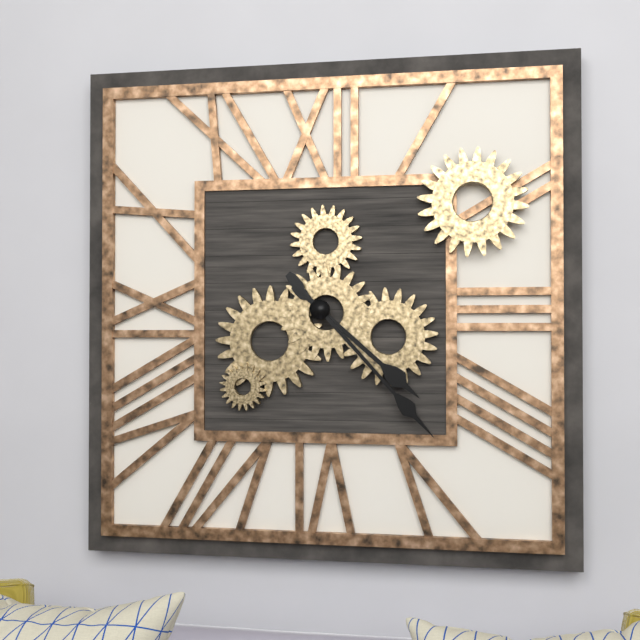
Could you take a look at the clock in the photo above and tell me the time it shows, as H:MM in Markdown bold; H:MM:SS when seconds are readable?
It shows **4:23**
